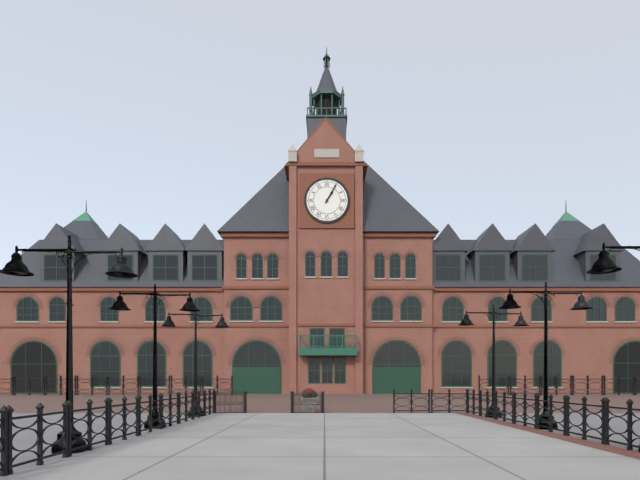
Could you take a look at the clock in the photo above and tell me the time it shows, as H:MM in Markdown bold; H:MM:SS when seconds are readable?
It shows **1:05**
